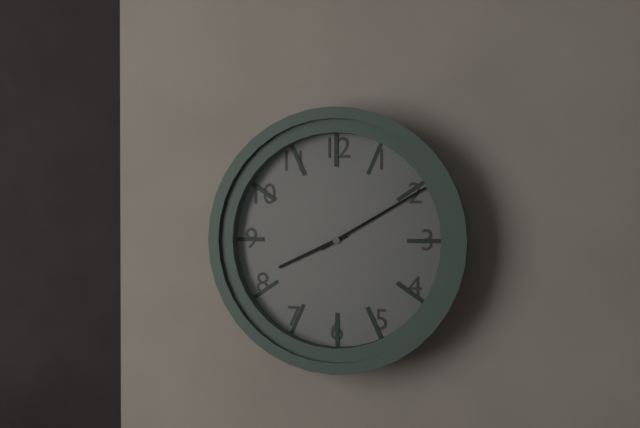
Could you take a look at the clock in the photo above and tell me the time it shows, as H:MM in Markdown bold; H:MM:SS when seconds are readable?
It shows **8:10**
